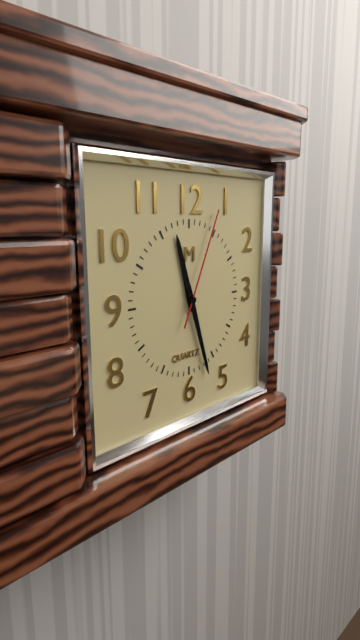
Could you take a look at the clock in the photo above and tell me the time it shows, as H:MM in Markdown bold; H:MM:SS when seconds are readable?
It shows **11:27:04**
